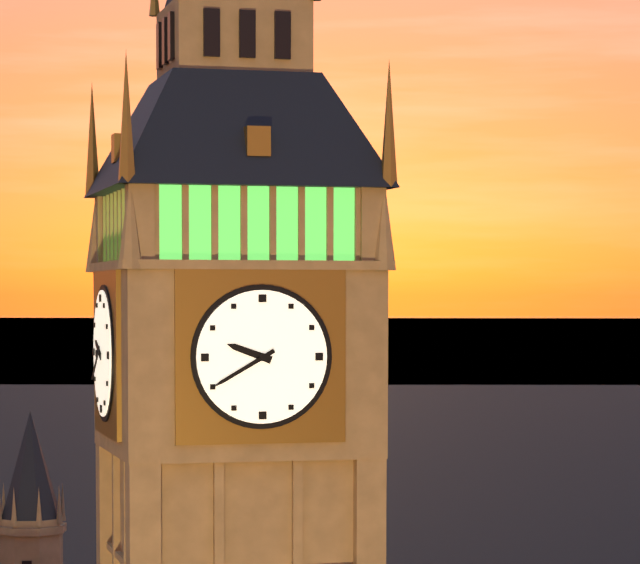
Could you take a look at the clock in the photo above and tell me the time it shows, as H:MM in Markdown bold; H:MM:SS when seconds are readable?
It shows **9:40**
